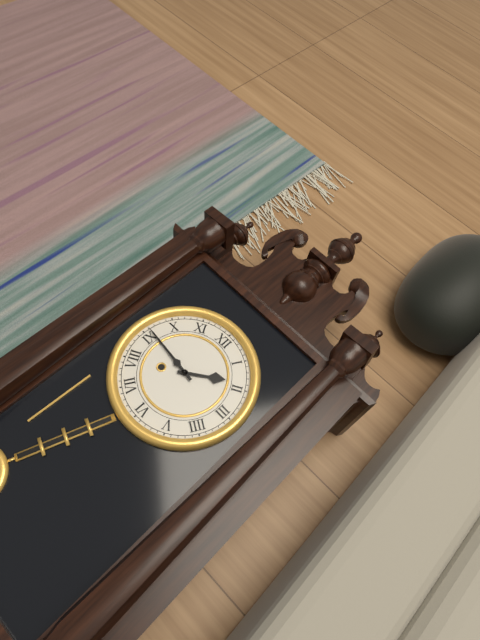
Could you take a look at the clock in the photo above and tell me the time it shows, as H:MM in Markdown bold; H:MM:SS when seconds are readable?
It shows **1:46**
